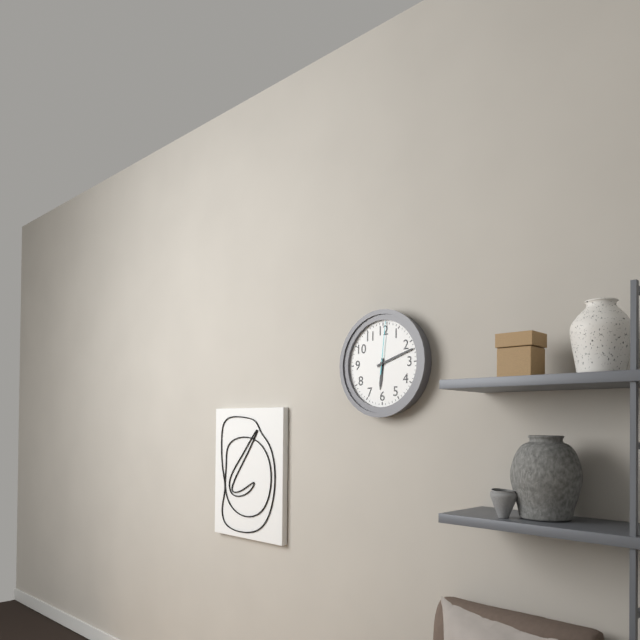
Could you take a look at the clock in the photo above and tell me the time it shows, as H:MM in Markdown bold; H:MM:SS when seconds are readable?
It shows **6:12:01**
